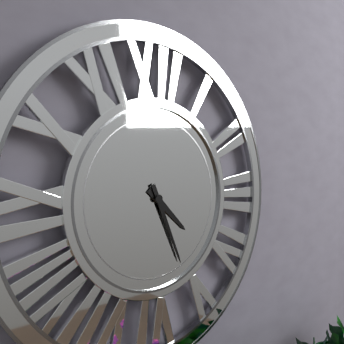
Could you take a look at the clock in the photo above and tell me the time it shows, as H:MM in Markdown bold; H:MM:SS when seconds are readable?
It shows **4:26**
